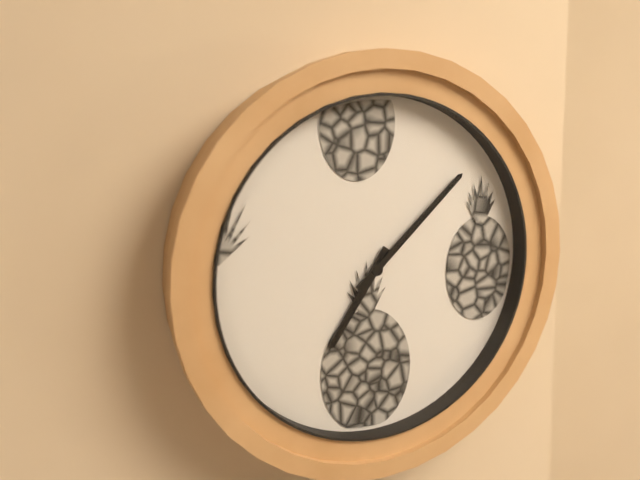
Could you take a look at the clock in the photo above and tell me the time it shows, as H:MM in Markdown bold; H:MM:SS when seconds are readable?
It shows **7:08**
